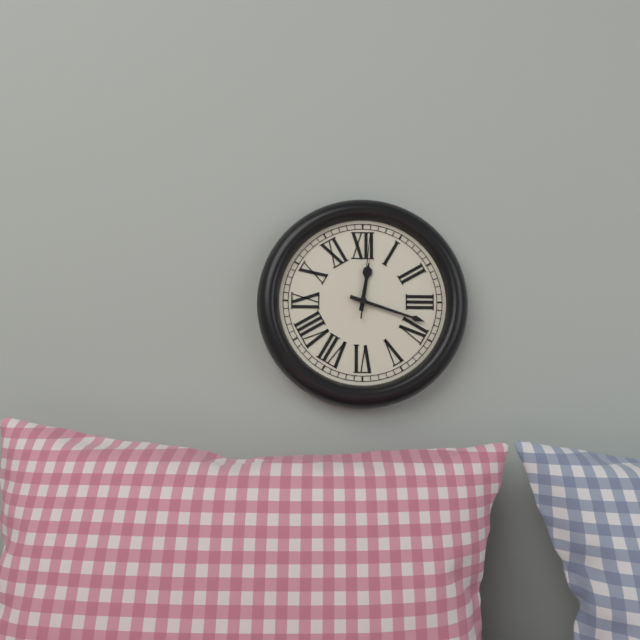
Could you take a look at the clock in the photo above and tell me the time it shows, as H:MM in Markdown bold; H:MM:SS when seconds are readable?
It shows **12:18:01**
